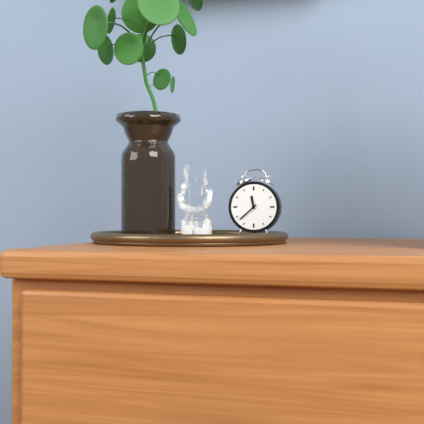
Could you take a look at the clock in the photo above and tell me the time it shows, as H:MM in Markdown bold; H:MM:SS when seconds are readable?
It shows **11:38**
